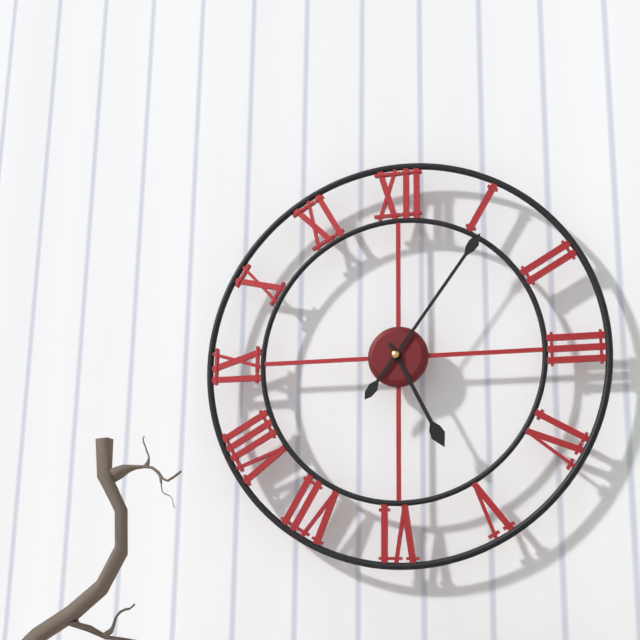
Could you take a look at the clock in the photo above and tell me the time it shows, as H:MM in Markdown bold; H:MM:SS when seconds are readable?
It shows **5:06**
